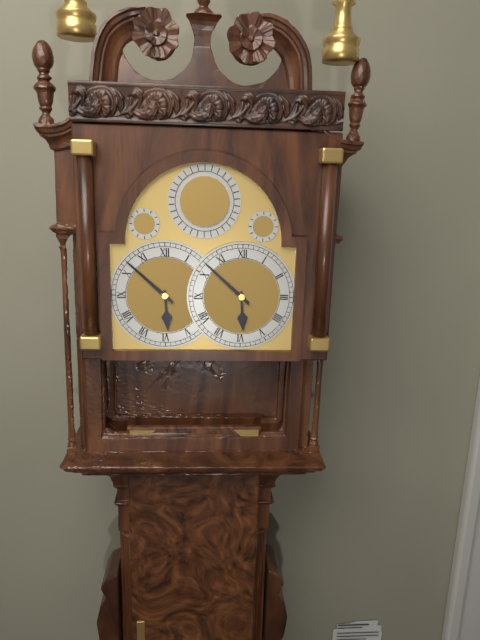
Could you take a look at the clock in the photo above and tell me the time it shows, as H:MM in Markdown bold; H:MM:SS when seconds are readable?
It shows **5:52**
